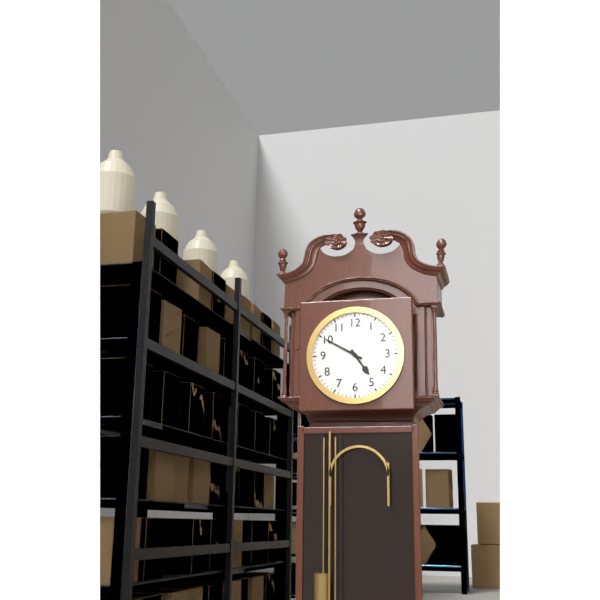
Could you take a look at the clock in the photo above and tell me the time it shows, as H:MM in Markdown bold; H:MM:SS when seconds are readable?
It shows **4:50**
